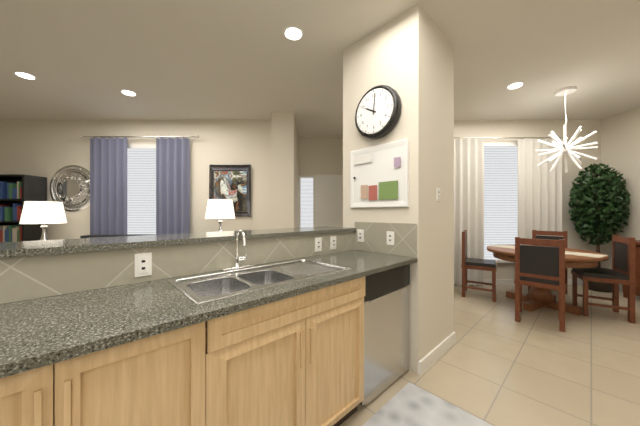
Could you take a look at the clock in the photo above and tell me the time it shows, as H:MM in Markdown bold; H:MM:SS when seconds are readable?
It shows **10:01**
